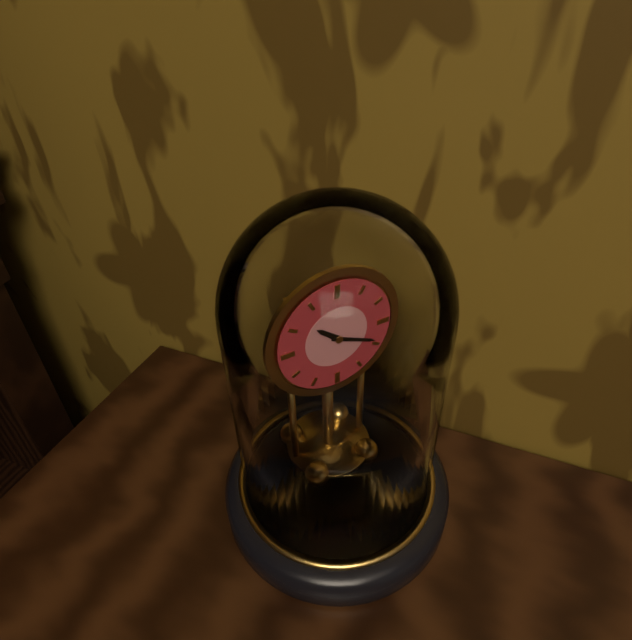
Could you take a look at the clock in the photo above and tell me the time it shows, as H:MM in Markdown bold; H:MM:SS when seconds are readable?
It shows **10:19**
